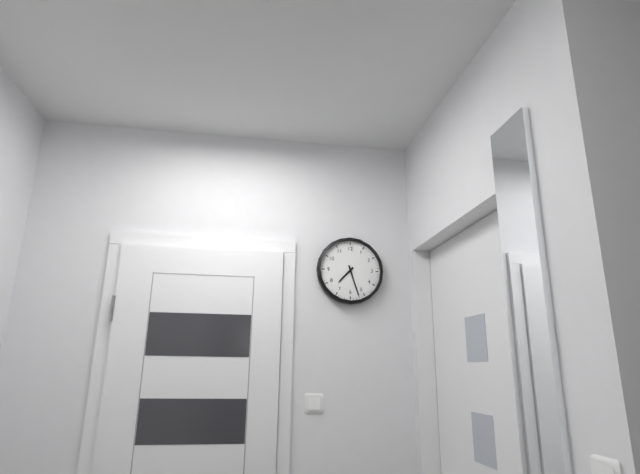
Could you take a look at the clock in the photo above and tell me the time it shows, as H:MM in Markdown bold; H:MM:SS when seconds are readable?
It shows **7:27**
